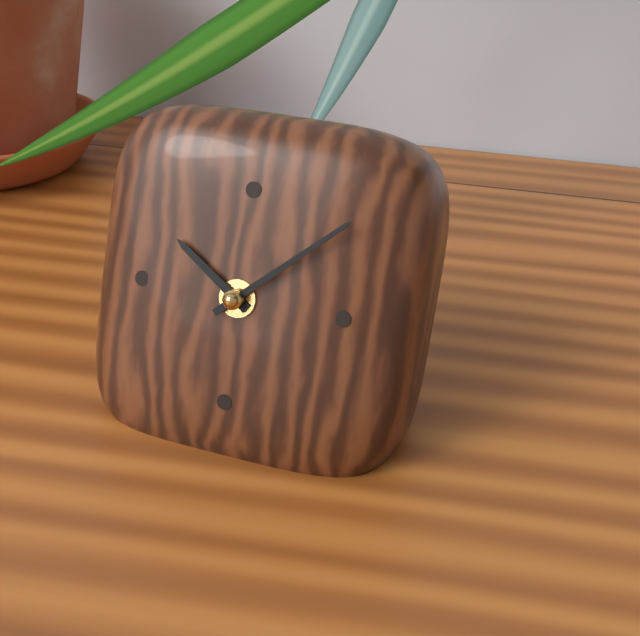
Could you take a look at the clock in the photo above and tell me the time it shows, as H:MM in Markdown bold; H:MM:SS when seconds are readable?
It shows **10:08**
